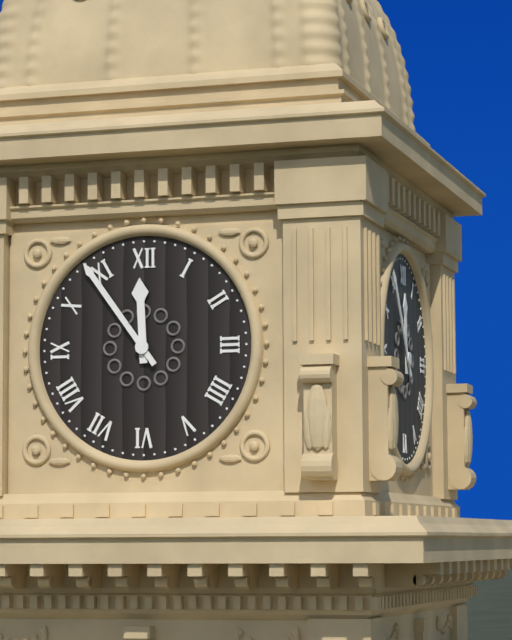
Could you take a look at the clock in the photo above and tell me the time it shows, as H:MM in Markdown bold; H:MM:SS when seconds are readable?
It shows **11:54**
